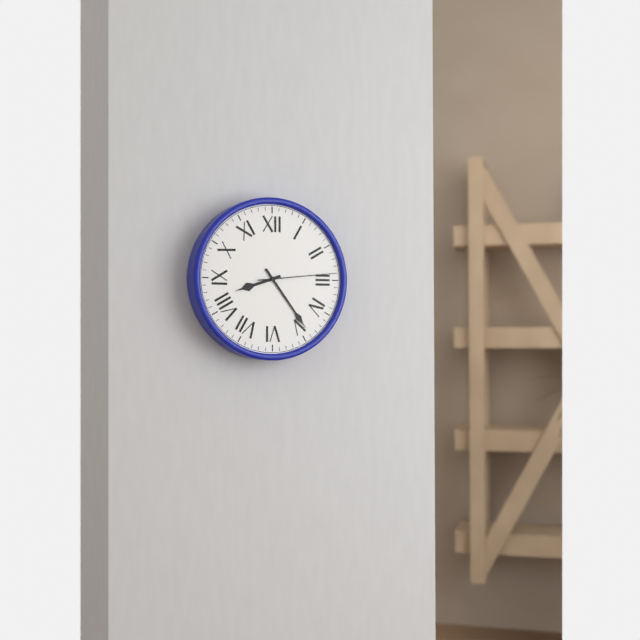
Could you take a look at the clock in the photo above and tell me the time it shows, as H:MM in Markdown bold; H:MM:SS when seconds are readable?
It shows **8:24:14**
